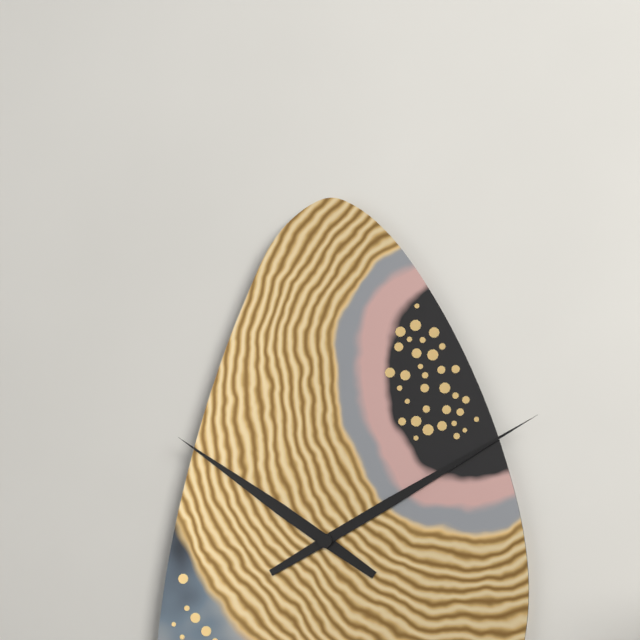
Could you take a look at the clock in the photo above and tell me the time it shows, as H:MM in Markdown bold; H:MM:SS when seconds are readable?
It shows **10:10**
